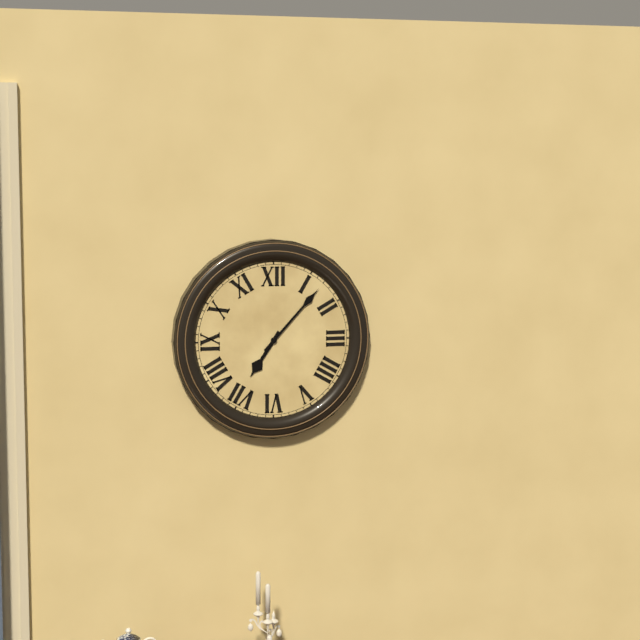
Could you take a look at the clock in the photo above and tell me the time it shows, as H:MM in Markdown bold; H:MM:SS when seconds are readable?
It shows **7:07**
